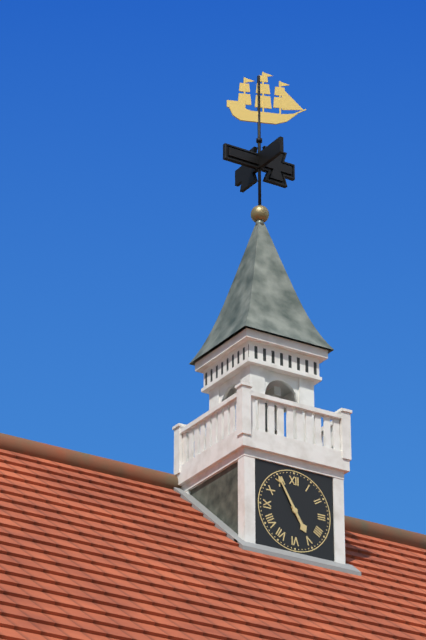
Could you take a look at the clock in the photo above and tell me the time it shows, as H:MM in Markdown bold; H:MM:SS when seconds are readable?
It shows **4:55**
